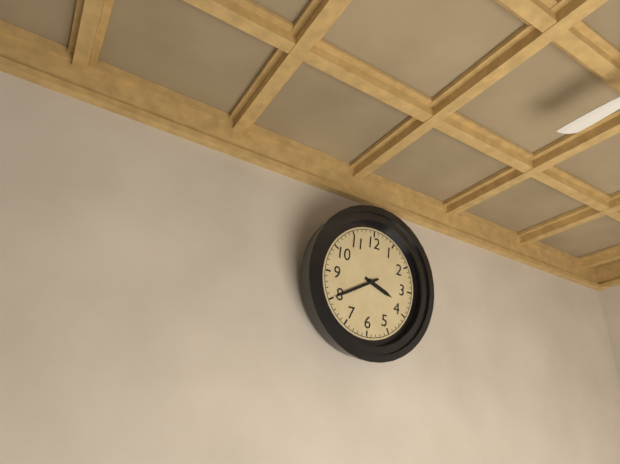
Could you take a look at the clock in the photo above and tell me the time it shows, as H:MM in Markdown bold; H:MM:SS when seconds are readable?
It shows **3:40**
